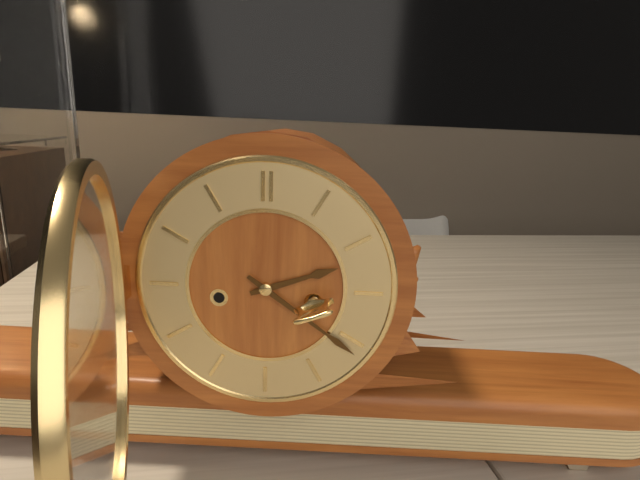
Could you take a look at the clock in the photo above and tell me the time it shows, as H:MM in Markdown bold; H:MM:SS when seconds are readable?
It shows **2:21**
